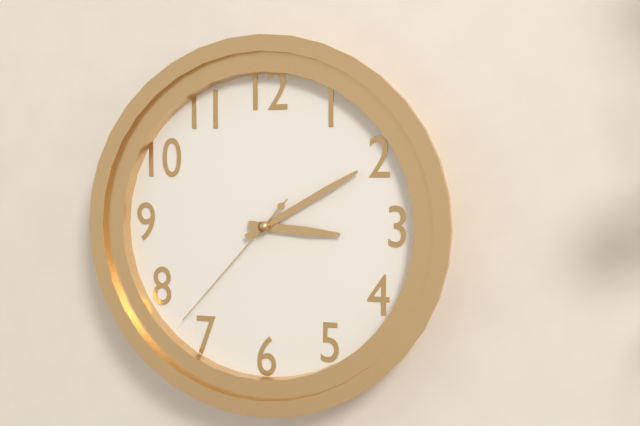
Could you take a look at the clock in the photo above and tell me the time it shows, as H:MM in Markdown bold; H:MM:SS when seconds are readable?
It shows **3:10:37**
